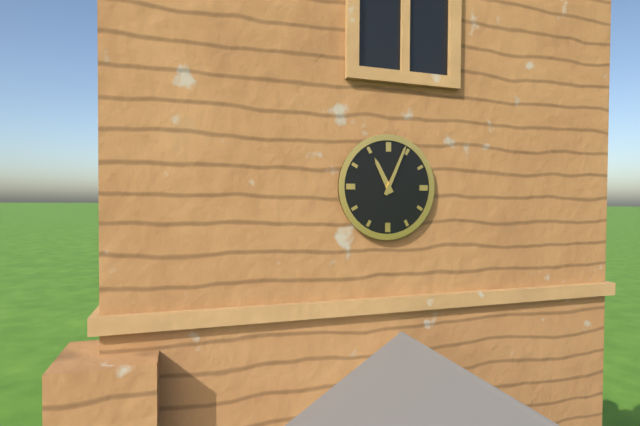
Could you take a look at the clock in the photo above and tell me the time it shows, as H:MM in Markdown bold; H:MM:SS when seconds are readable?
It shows **11:04**
